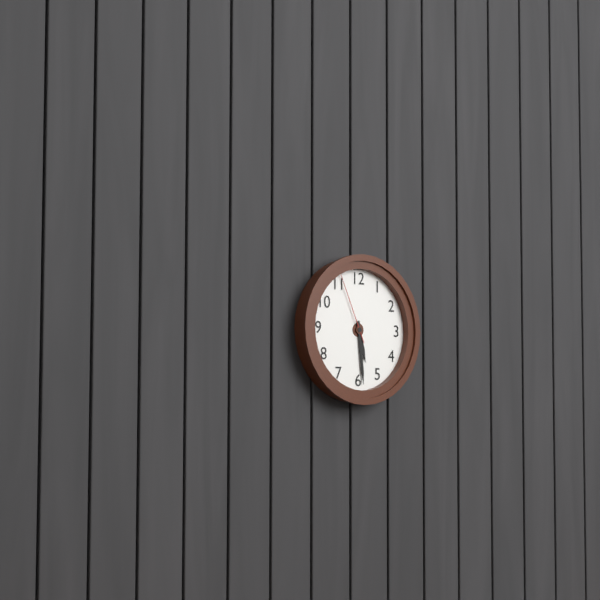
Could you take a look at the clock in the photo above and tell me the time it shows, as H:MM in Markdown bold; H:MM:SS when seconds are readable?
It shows **5:29:56**
